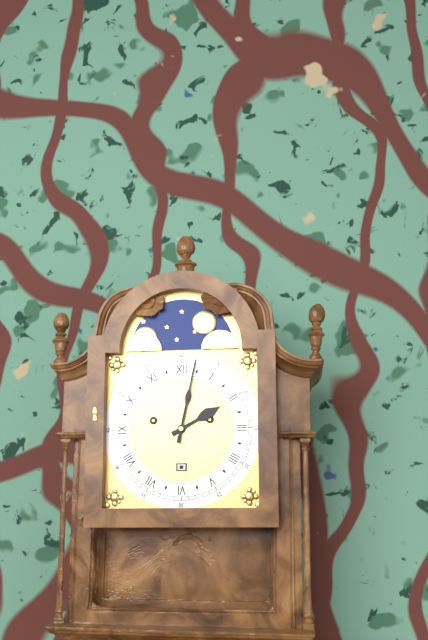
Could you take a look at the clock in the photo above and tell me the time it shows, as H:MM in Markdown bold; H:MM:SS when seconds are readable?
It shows **2:02**
